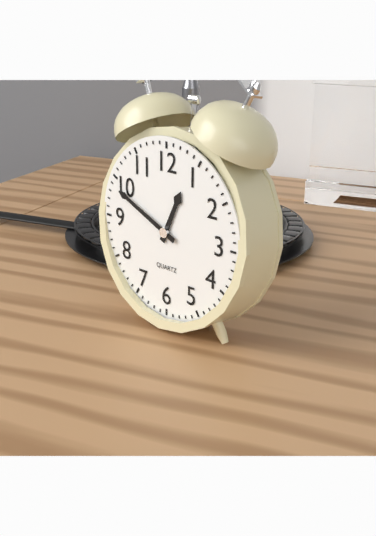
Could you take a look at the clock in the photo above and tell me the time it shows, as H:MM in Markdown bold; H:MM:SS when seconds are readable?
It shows **12:49**
